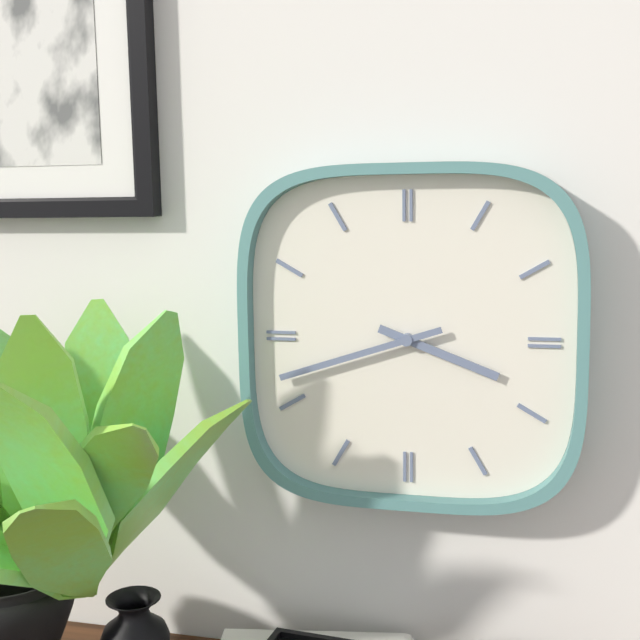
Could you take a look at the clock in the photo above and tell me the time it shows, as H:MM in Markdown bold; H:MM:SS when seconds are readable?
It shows **3:42**
